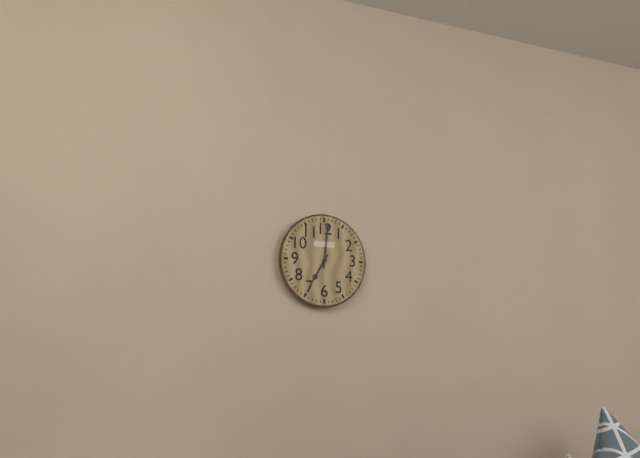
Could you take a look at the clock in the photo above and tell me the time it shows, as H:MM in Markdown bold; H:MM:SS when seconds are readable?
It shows **7:01**
